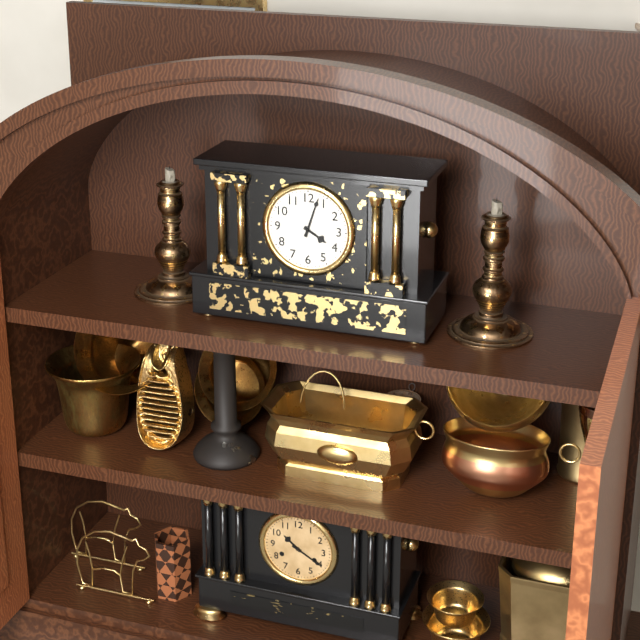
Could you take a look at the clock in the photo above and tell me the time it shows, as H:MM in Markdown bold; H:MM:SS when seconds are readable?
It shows **4:03**
